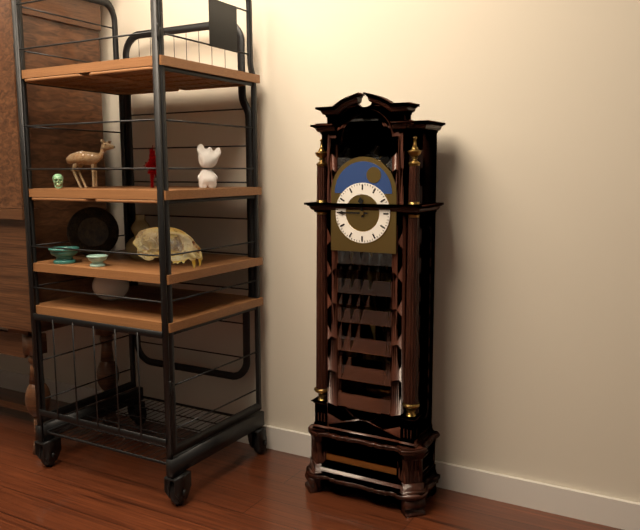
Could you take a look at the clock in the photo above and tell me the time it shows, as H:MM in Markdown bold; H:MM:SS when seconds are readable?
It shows **11:45**
